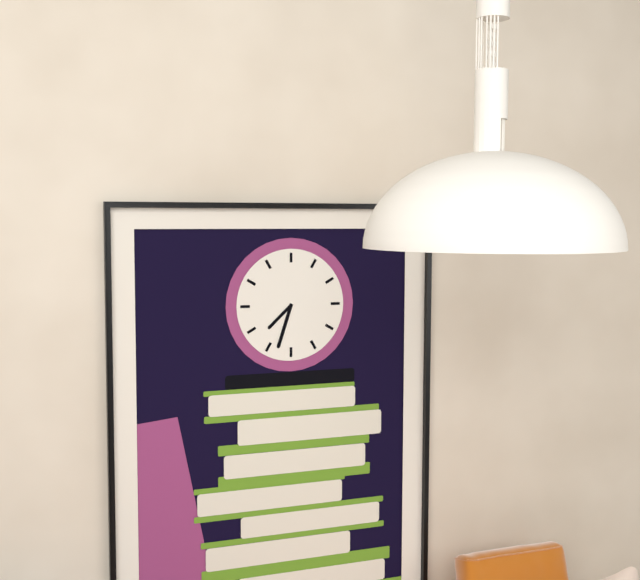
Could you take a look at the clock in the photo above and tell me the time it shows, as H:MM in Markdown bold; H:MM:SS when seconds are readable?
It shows **7:33**
